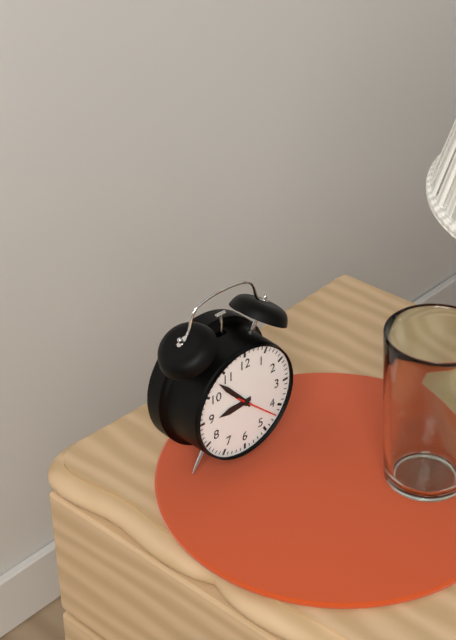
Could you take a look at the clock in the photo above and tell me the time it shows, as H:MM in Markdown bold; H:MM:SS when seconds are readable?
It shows **8:53**
